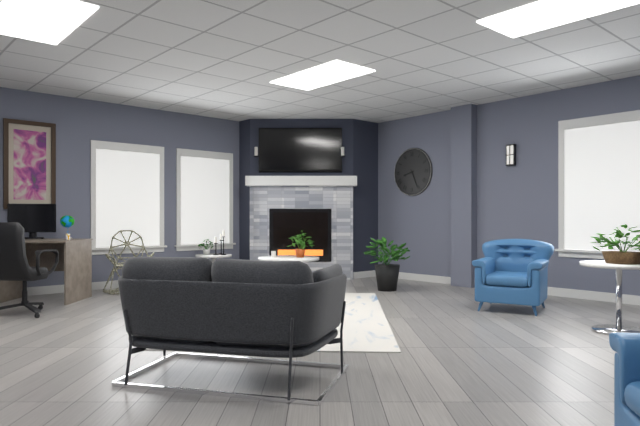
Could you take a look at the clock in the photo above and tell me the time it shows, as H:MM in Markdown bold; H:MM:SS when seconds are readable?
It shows **8:26**
